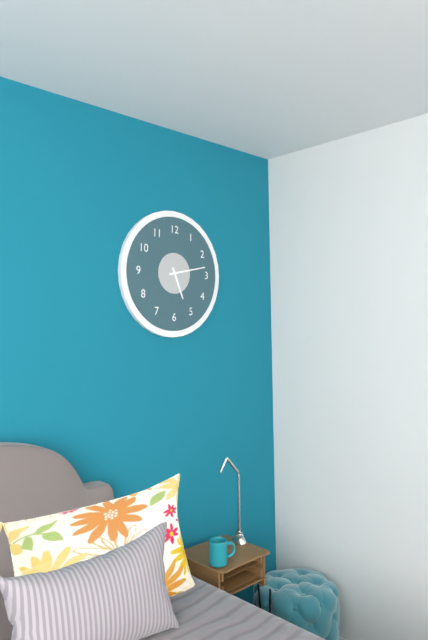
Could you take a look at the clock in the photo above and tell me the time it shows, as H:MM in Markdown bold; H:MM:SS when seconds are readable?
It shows **5:13**
